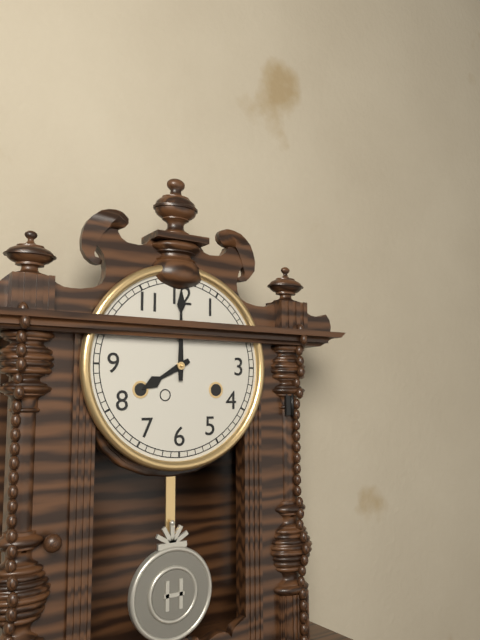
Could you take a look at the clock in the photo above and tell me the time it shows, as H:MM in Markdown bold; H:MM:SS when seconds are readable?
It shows **8:00**
